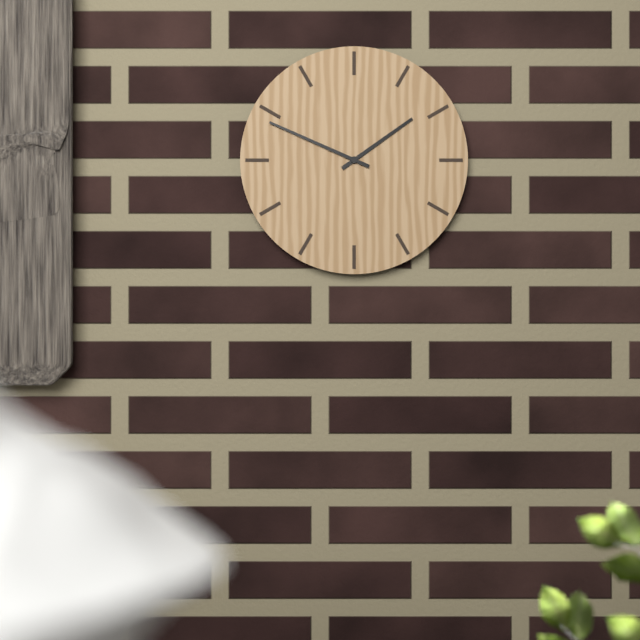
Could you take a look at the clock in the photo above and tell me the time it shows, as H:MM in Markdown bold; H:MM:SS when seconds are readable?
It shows **1:49**
